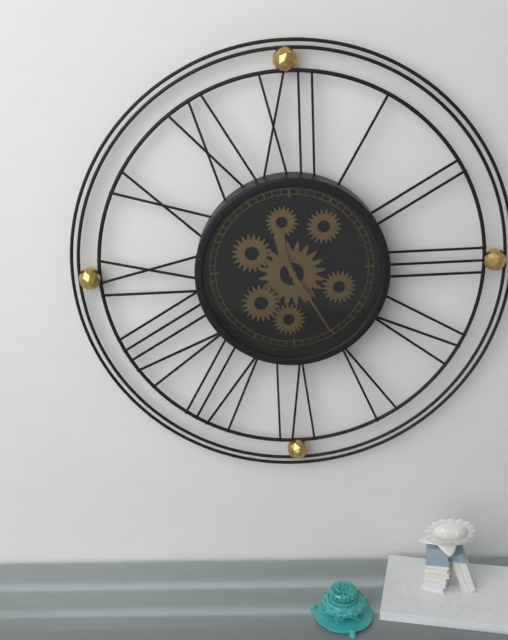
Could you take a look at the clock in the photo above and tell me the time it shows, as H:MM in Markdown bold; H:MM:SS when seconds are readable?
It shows **11:25**
